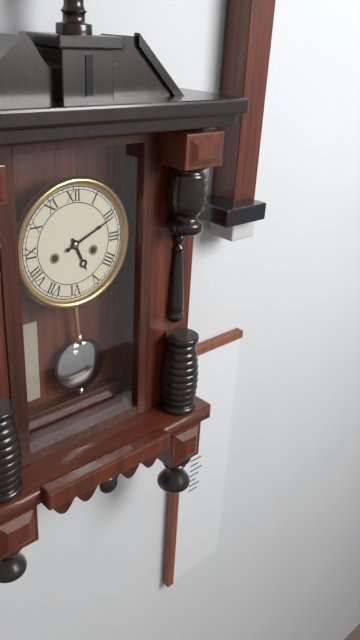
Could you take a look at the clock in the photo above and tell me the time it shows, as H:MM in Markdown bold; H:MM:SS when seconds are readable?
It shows **5:11**
